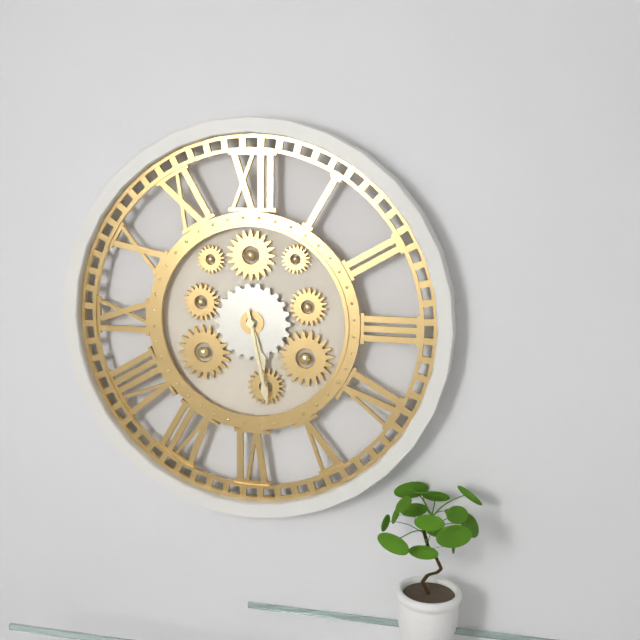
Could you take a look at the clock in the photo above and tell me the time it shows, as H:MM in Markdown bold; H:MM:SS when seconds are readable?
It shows **5:28**
